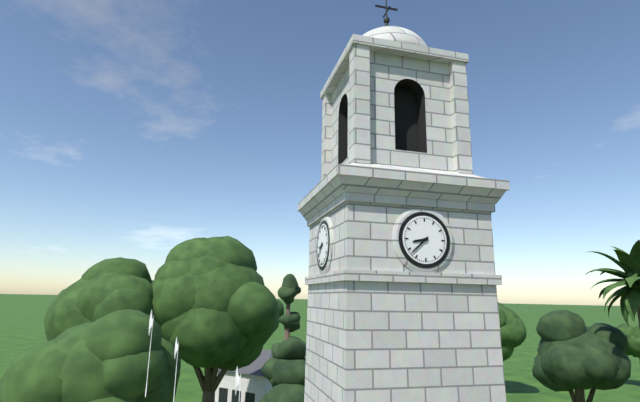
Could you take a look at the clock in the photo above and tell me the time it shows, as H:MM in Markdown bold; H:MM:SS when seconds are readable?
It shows **8:38**
